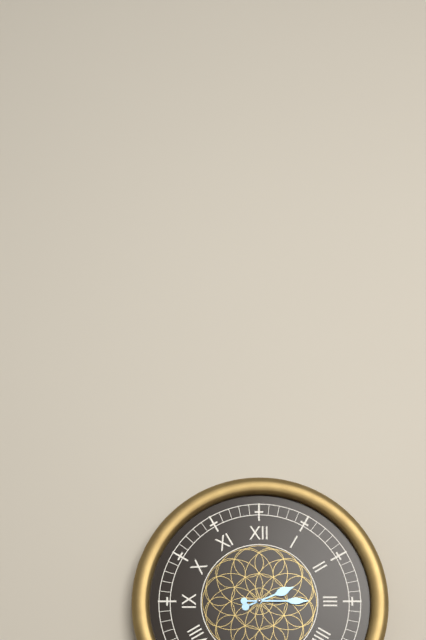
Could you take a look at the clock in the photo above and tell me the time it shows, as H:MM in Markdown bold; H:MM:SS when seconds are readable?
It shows **2:15**
